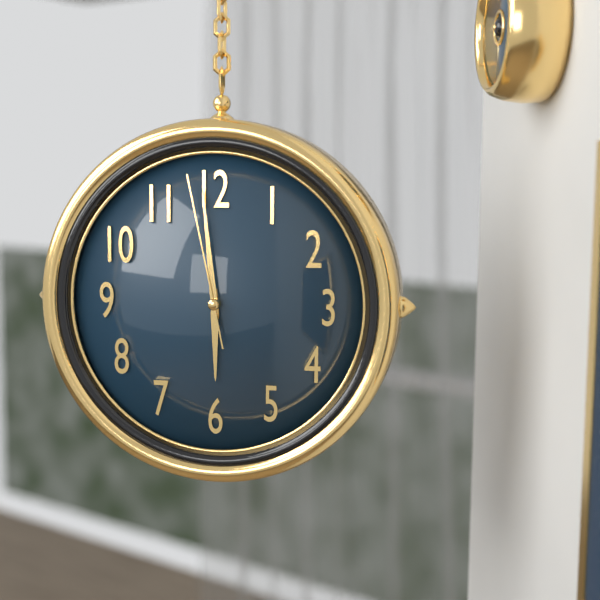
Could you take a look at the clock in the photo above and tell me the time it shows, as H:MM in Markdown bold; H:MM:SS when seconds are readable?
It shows **5:59:58**
